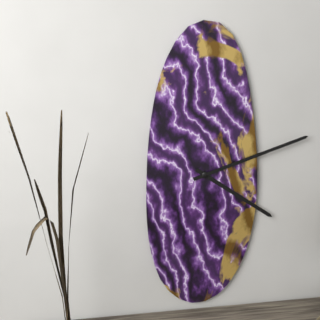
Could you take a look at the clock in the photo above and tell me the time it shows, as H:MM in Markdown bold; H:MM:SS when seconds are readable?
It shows **4:12**
